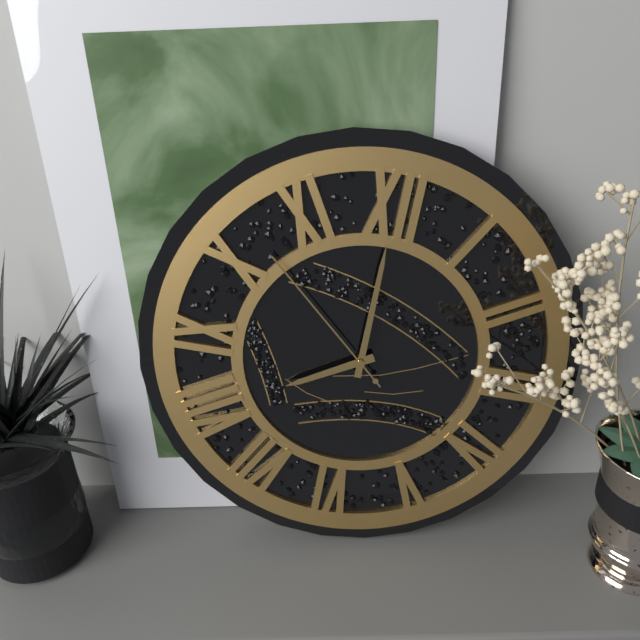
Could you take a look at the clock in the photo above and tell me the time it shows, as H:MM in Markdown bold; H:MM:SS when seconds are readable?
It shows **8:00:52**
